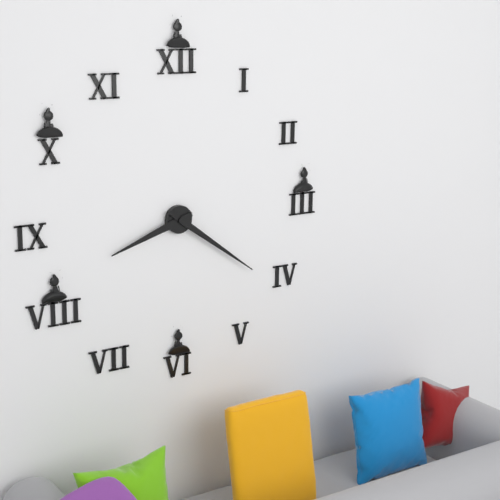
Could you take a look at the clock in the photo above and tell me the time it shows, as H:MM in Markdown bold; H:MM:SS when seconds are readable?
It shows **8:21**
